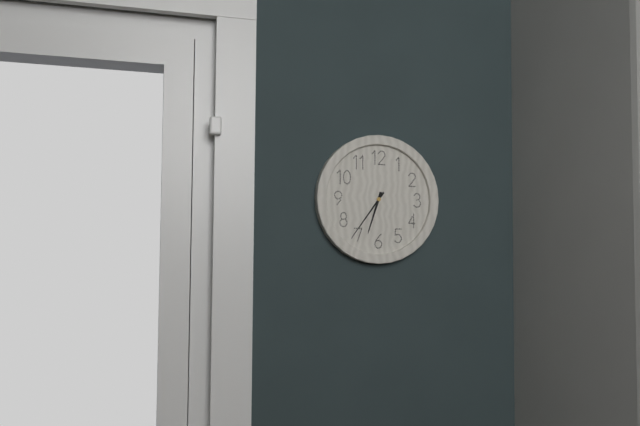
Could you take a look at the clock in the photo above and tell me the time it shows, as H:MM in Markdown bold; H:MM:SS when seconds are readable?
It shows **6:36**
